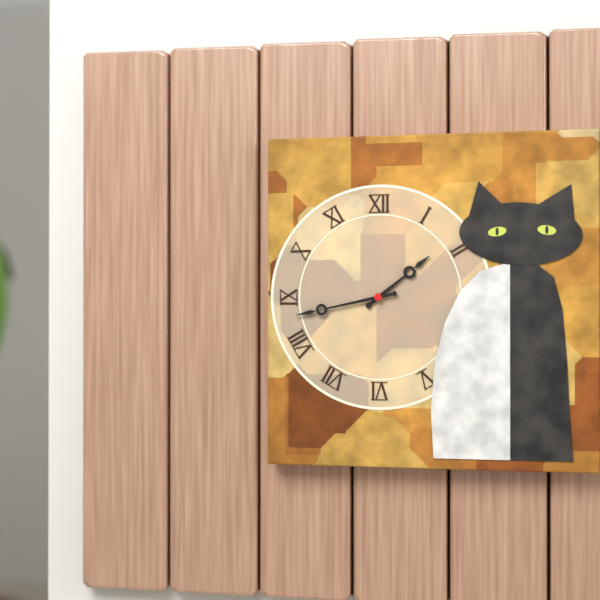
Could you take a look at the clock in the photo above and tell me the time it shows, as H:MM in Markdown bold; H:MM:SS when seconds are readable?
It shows **1:43**
